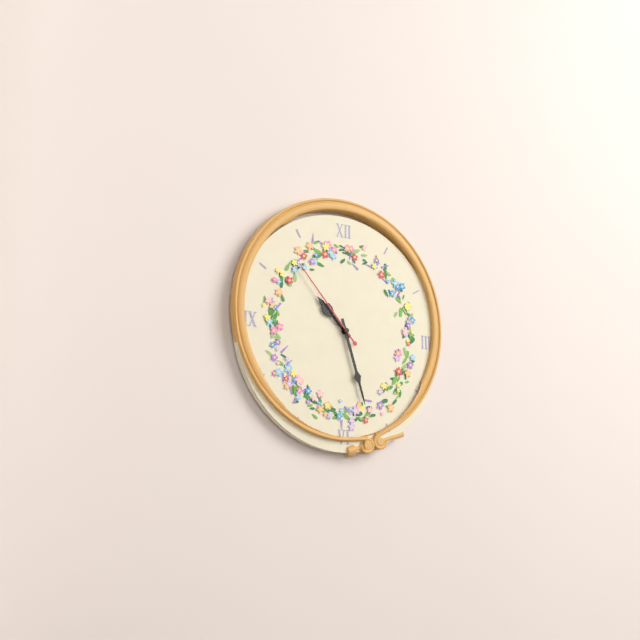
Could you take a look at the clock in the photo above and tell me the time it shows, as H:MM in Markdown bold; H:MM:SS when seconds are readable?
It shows **10:27:53**
